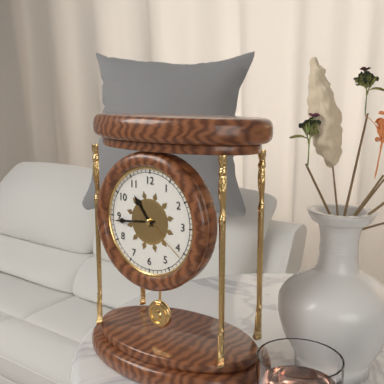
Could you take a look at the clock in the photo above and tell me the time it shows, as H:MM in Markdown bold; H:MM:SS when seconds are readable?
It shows **10:44:21**
